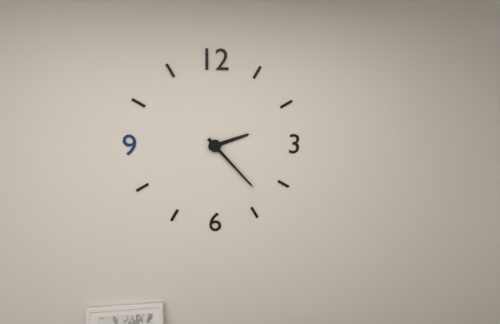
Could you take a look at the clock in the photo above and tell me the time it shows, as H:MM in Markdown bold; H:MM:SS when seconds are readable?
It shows **2:23**
